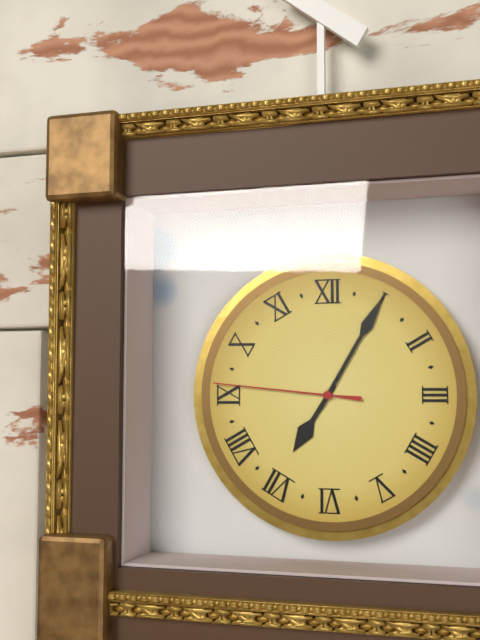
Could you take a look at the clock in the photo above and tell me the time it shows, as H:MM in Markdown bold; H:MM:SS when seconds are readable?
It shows **7:05:46**
